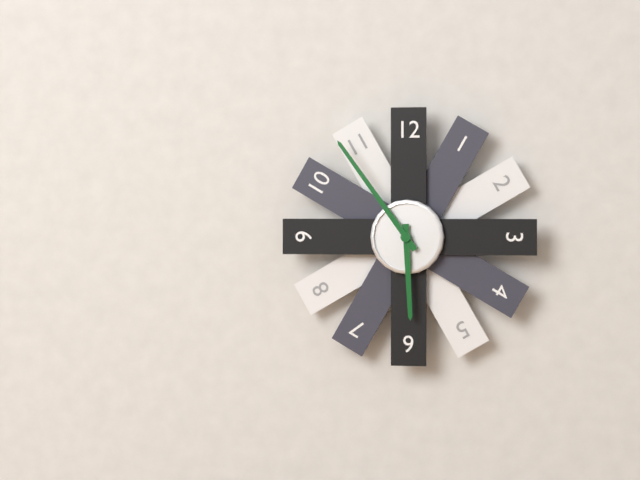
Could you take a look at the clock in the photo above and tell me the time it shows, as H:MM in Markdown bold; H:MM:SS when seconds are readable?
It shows **5:54**
